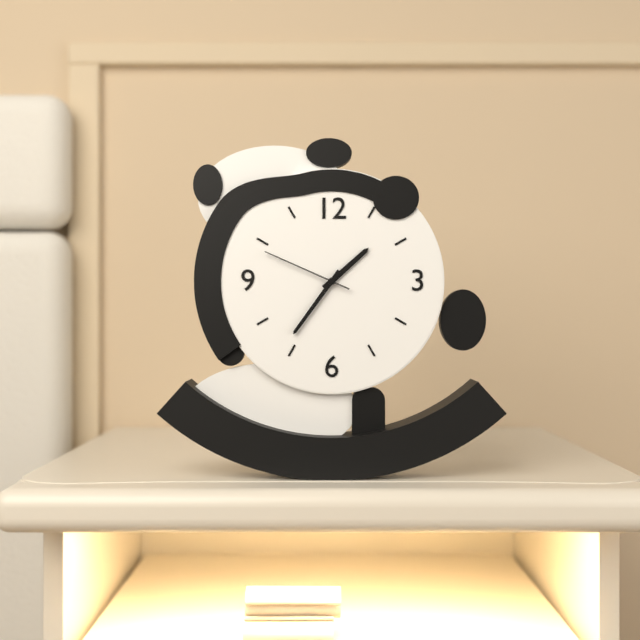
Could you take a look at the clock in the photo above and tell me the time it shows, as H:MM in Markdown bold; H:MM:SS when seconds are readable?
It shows **1:36:49**
